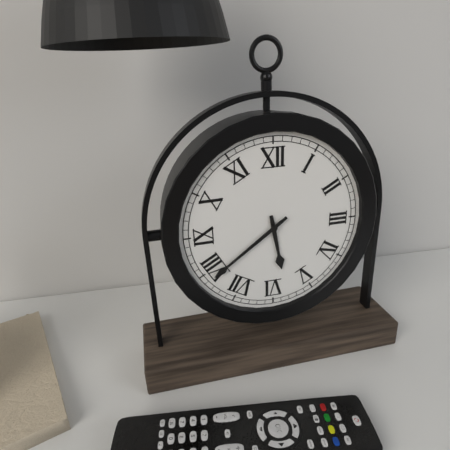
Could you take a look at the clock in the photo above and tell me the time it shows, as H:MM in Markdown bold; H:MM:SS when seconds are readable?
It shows **5:39**
